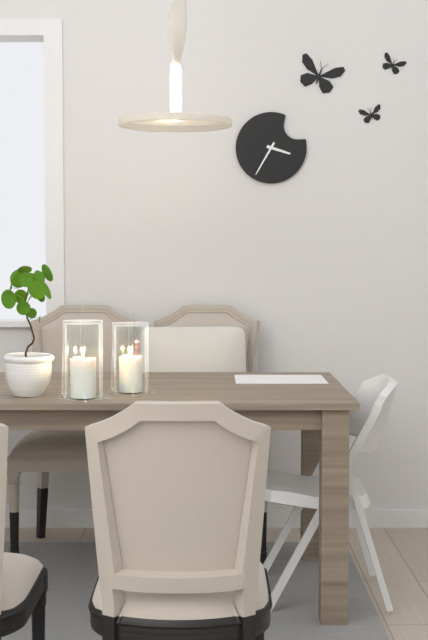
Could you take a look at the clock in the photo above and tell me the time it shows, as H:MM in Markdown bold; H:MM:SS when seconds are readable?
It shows **3:35**
